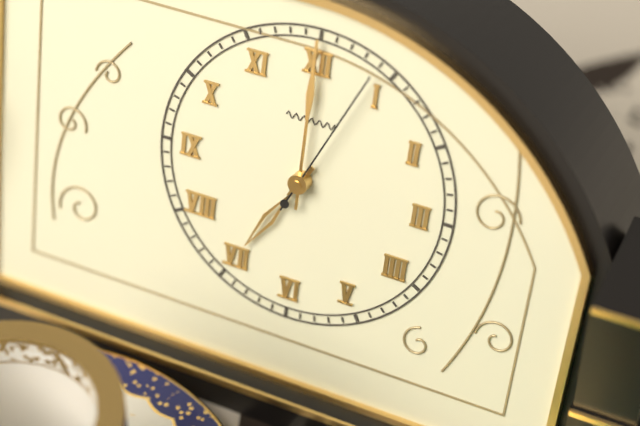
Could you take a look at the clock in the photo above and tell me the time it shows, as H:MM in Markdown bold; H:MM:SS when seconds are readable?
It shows **7:00:04**
